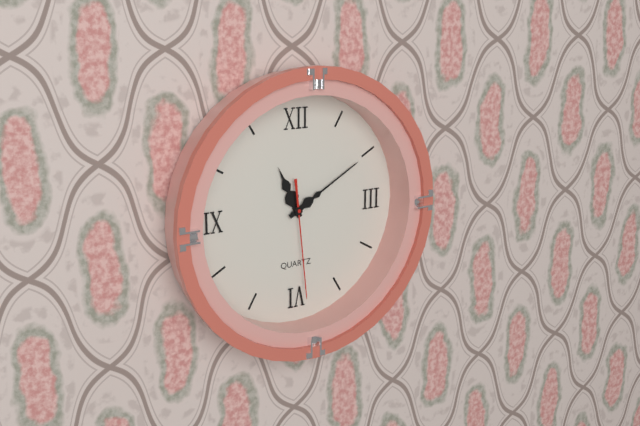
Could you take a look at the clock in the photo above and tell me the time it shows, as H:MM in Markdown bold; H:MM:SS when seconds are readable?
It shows **11:10:29**
